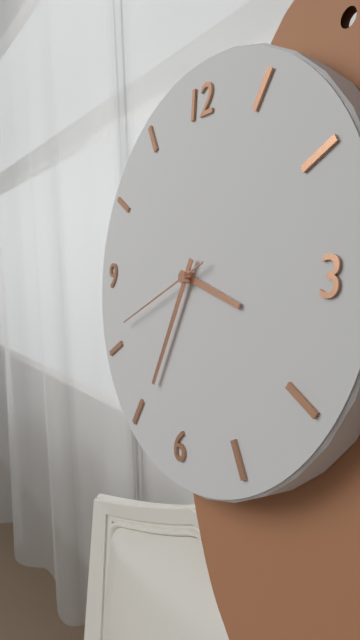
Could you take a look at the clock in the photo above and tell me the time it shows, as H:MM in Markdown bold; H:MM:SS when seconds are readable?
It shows **3:34:41**
